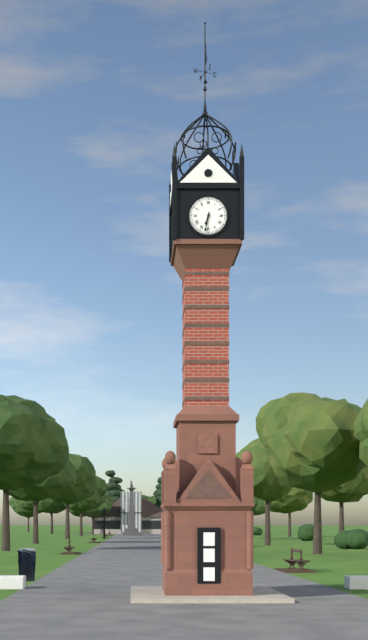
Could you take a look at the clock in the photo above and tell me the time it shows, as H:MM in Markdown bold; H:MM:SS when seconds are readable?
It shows **6:32**
